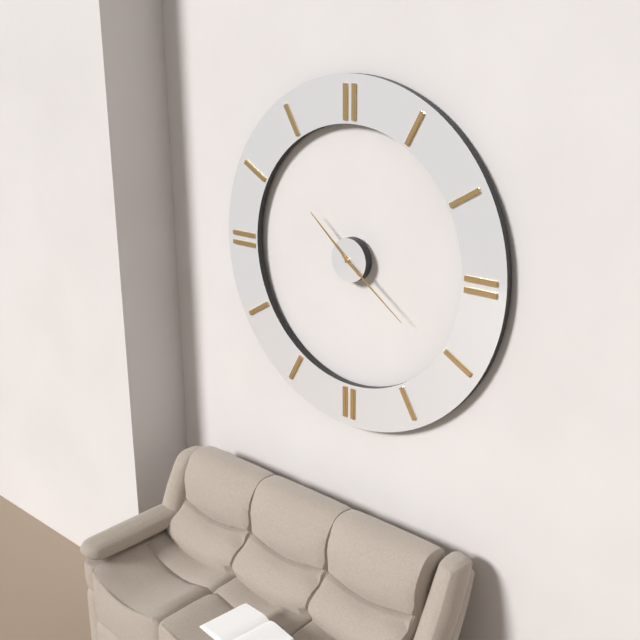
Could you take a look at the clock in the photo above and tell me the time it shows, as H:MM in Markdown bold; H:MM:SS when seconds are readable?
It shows **10:21**
